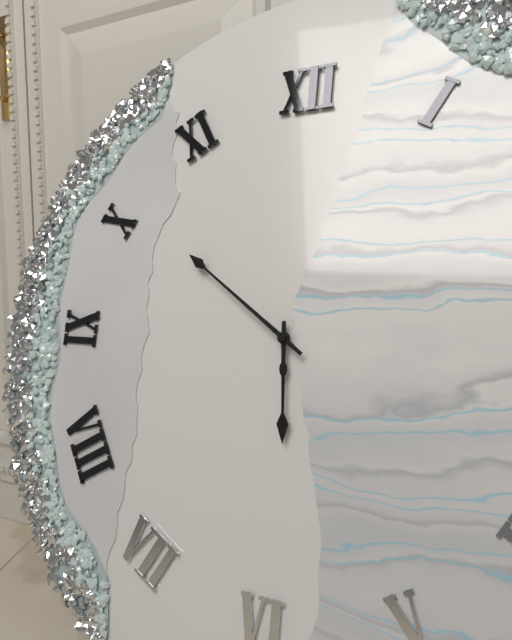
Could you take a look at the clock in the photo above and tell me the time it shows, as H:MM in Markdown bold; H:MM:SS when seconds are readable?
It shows **5:51**
